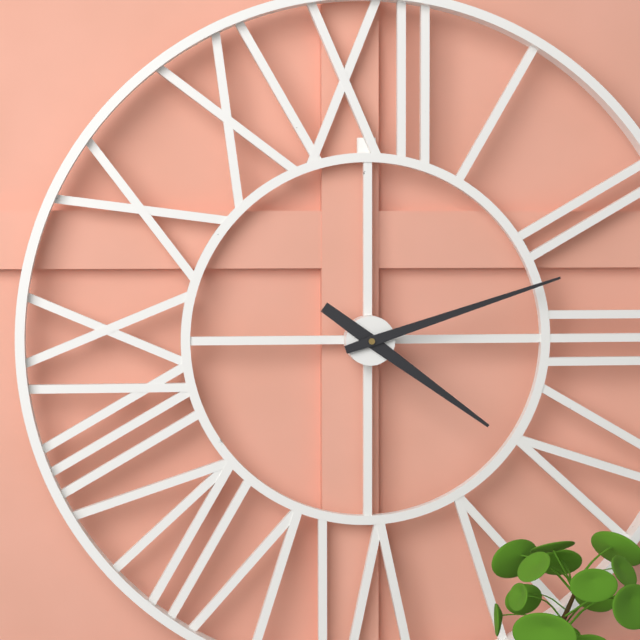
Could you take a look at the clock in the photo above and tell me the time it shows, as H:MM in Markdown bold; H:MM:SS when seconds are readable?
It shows **4:12**
